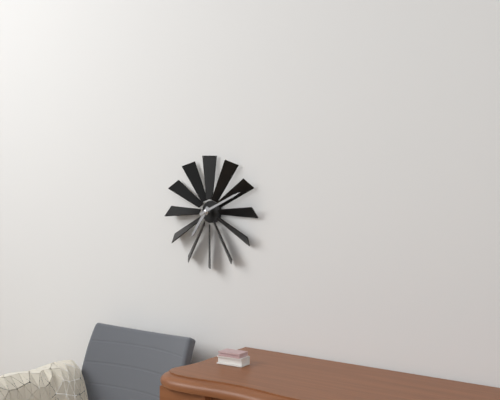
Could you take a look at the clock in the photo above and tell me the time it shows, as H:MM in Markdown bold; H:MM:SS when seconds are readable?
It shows **7:11**
